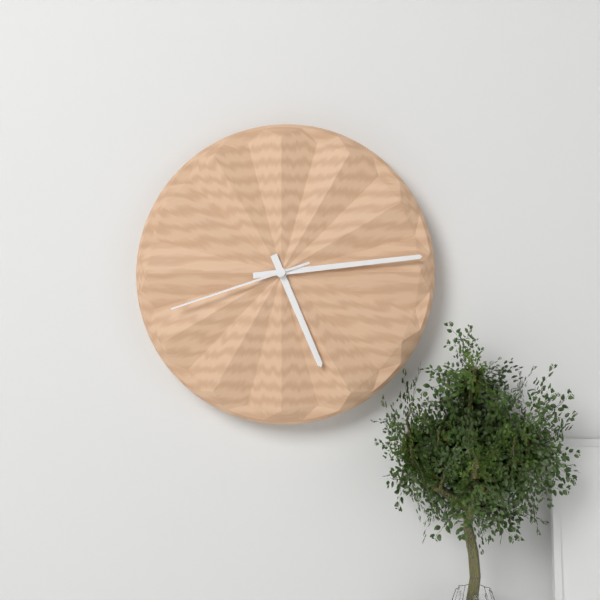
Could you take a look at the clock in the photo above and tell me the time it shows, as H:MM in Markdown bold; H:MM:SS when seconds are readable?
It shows **5:14:42**
